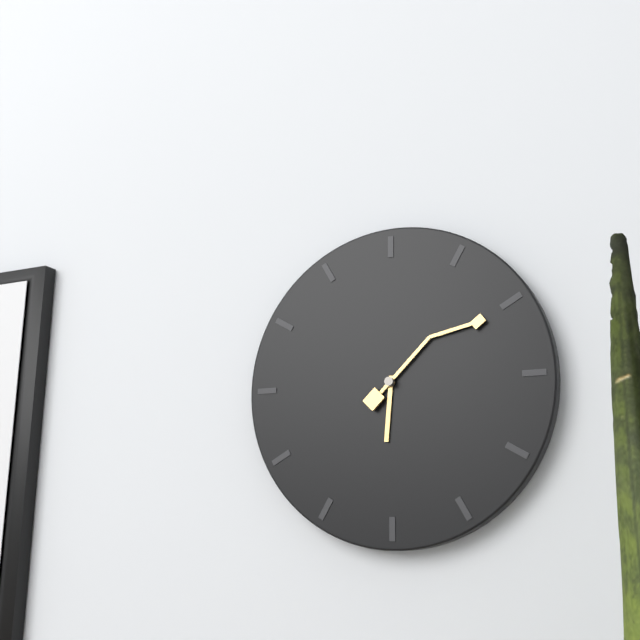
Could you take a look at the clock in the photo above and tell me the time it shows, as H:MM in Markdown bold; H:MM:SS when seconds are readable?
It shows **6:10**
